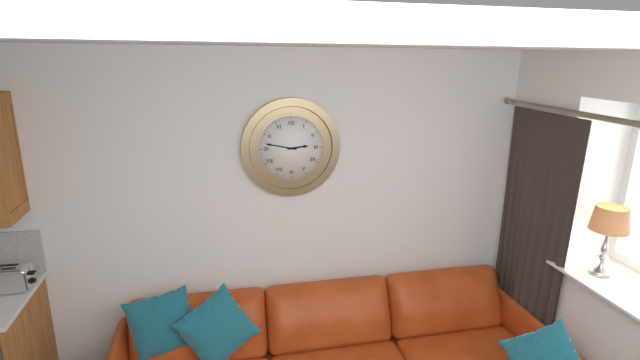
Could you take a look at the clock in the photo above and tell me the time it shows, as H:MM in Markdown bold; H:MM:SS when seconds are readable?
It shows **2:47**
